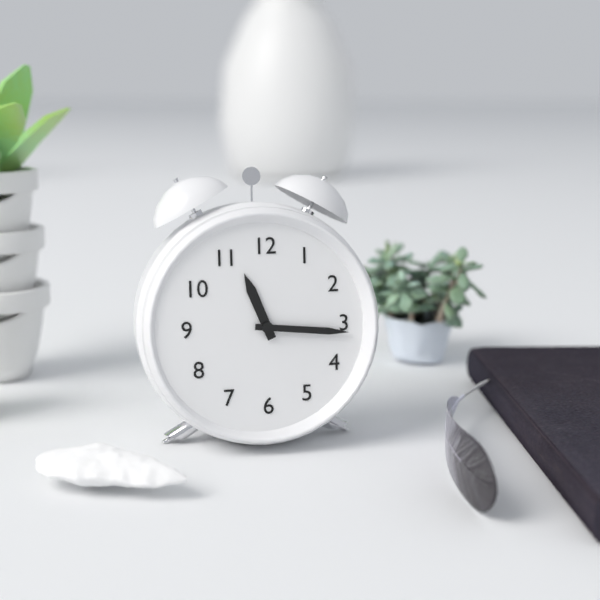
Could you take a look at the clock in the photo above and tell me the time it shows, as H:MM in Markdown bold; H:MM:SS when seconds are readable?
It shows **11:16**
